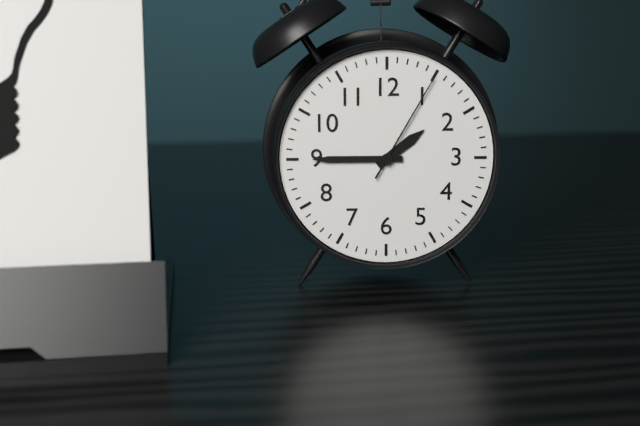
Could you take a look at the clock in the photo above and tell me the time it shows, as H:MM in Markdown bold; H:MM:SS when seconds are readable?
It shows **1:45:05**
